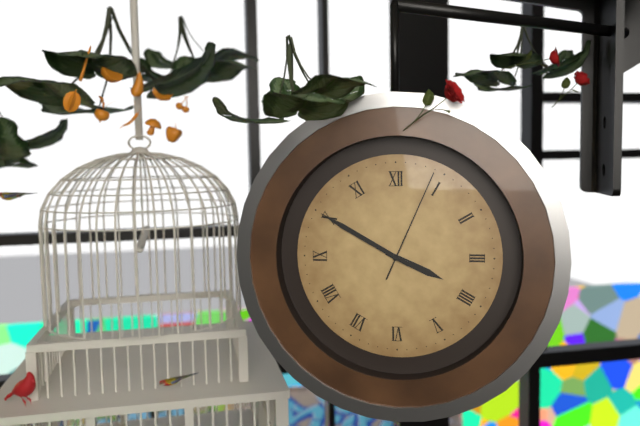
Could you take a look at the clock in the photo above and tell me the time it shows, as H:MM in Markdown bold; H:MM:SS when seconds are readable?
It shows **3:50:04**
